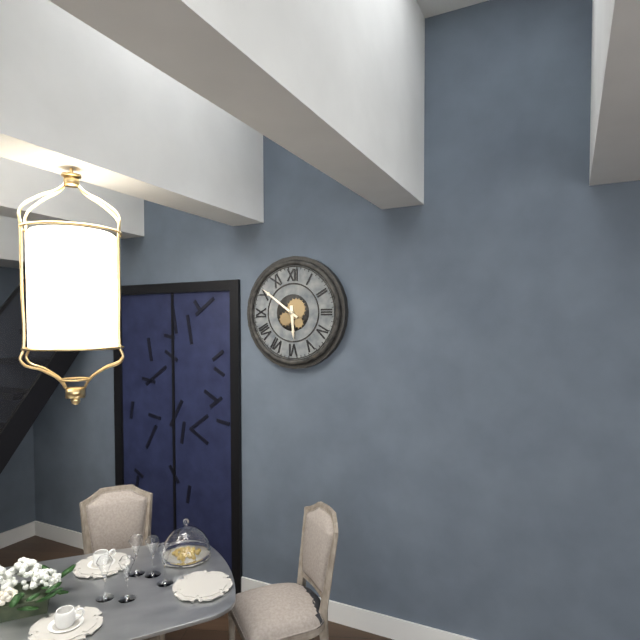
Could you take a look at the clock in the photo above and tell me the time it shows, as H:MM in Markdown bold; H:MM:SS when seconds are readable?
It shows **5:51**
